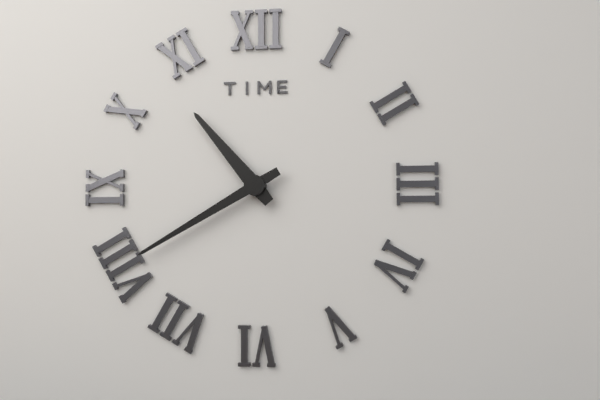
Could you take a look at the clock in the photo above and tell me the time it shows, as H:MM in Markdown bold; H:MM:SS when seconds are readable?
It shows **10:40**
